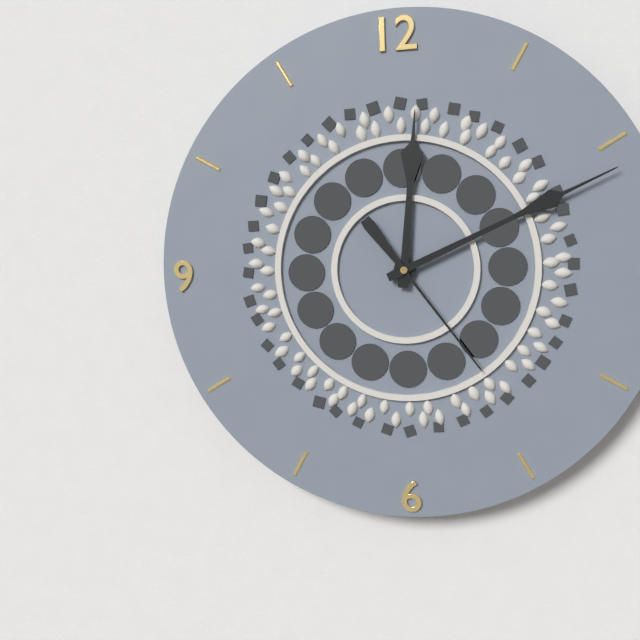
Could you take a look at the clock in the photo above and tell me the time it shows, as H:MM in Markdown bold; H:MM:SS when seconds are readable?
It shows **12:11:24**
